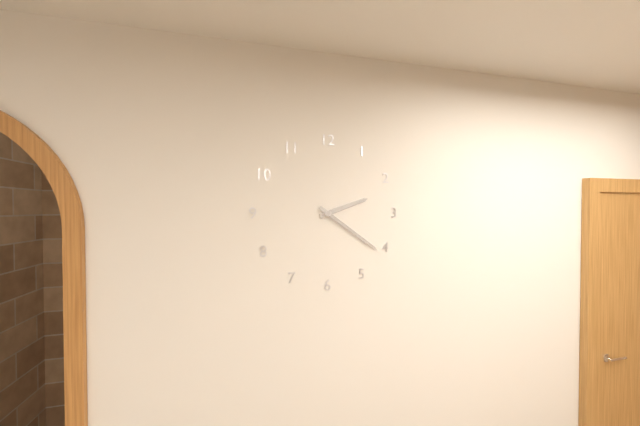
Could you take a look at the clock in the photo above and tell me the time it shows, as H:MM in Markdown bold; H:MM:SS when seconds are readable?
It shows **2:21**
